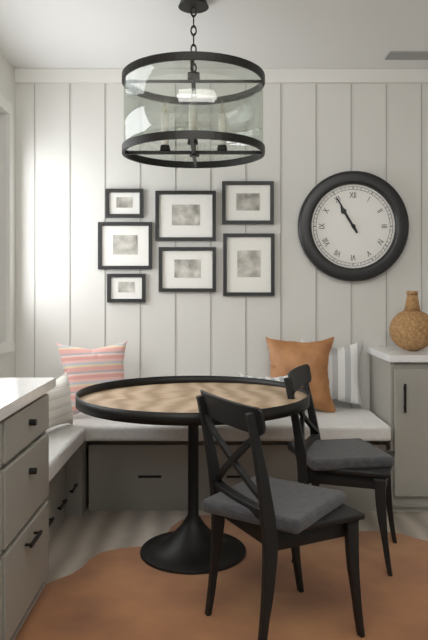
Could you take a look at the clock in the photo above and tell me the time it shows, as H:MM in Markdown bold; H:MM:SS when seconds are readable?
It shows **10:55**
